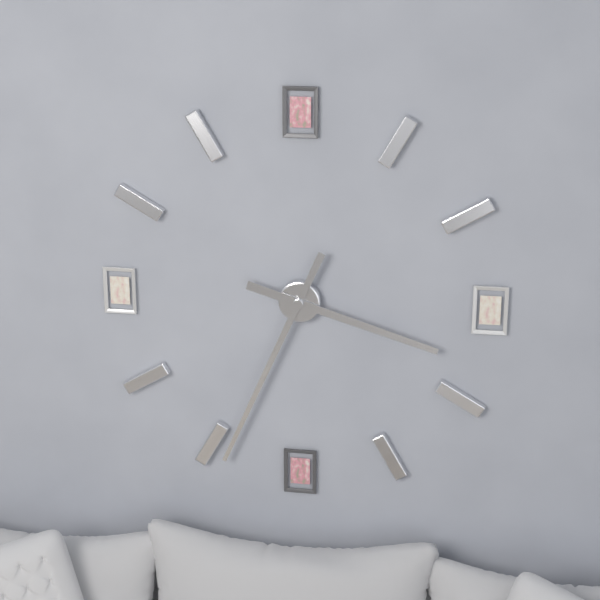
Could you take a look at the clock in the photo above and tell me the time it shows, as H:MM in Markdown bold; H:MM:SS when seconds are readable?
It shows **3:34**
